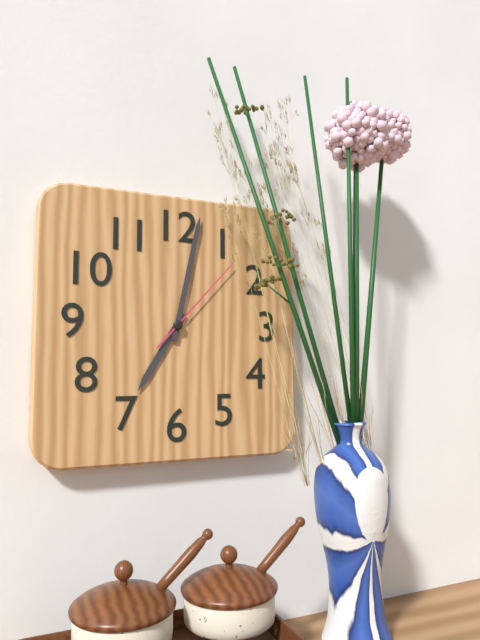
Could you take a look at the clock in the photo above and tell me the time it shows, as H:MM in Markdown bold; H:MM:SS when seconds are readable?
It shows **7:02:07**
